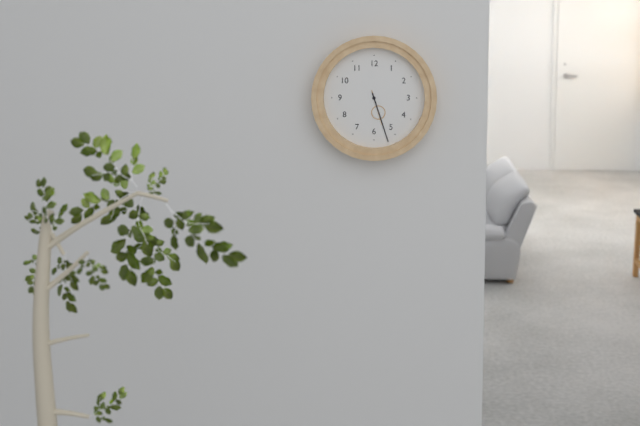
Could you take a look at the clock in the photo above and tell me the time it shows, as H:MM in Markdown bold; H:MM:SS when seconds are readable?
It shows **5:27**
